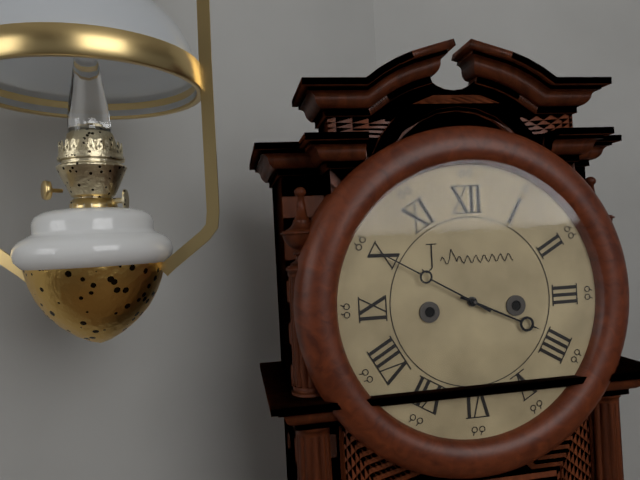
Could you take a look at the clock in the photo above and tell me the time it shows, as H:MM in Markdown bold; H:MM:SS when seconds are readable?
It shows **3:50**
